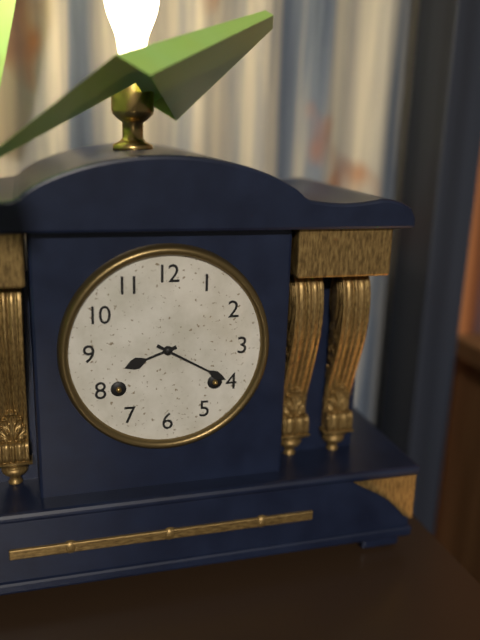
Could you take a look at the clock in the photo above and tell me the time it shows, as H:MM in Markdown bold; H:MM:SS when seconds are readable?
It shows **8:20**
